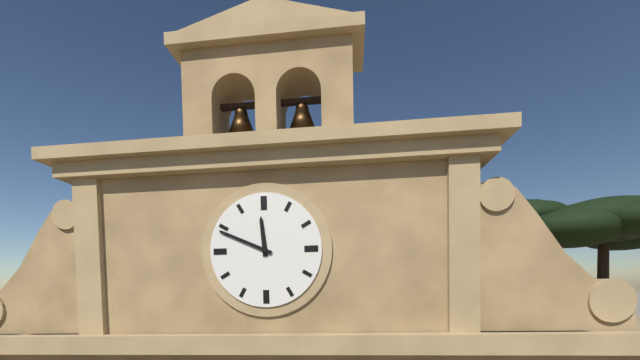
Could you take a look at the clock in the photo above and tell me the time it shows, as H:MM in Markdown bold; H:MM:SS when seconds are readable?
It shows **11:49**
